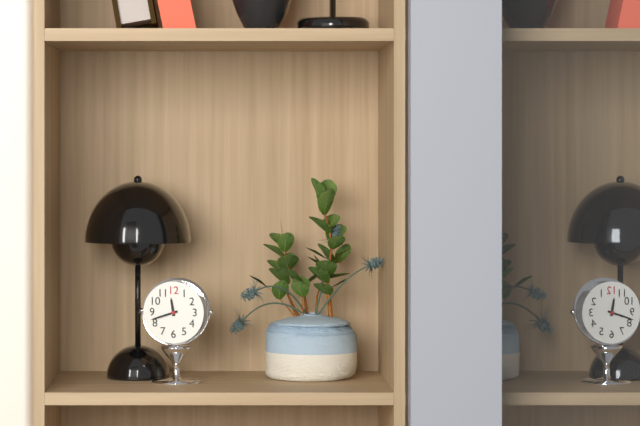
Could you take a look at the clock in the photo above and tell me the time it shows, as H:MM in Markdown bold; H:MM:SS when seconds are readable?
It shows **11:42**
